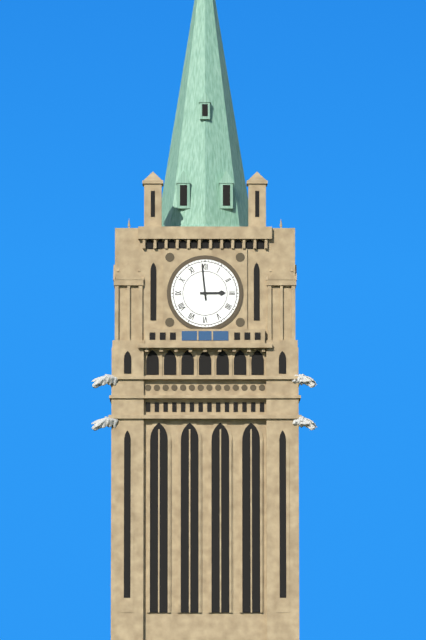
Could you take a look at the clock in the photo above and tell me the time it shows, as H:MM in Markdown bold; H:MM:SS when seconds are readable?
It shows **2:59**
